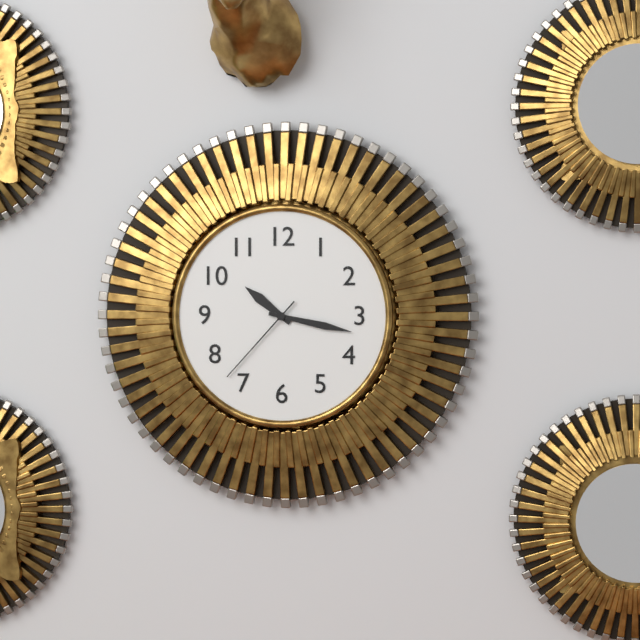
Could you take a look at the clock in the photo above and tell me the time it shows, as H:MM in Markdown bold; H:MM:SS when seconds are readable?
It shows **10:17:37**
